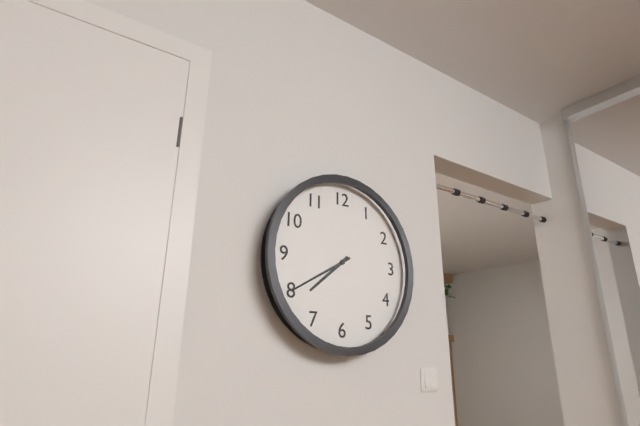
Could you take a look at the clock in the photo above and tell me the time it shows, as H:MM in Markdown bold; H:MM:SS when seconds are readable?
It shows **7:40**
